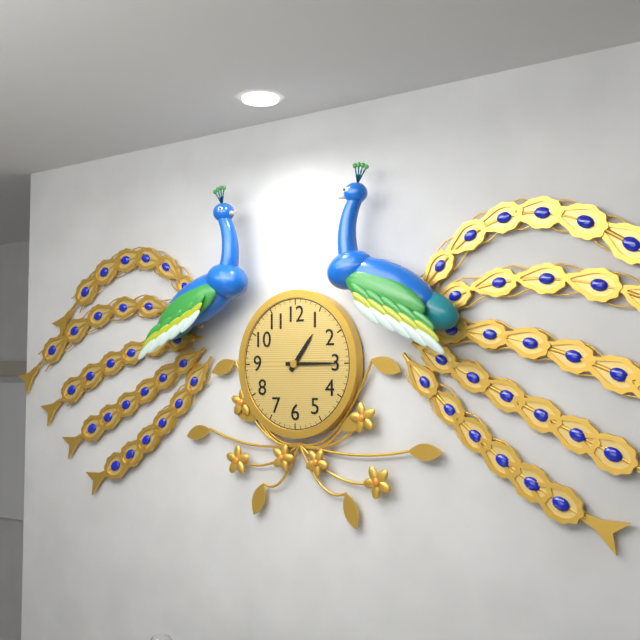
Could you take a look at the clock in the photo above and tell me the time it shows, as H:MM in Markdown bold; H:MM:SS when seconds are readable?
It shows **1:15**
